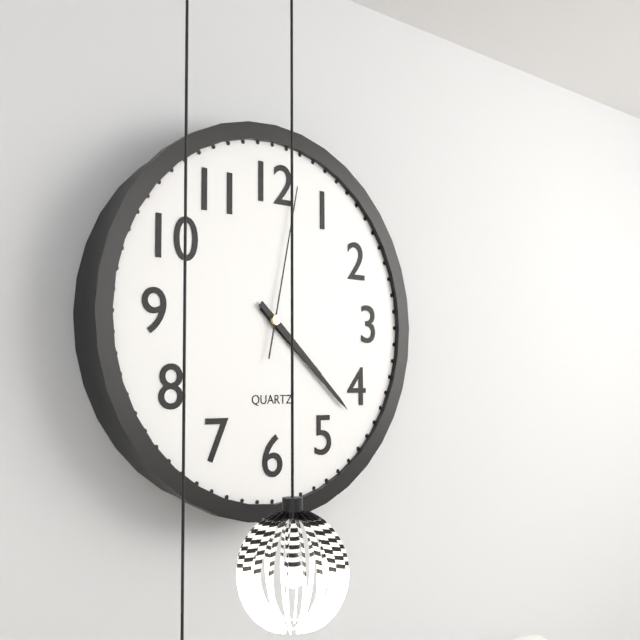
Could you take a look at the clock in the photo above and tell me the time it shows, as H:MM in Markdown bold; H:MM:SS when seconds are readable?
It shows **4:22:02**
